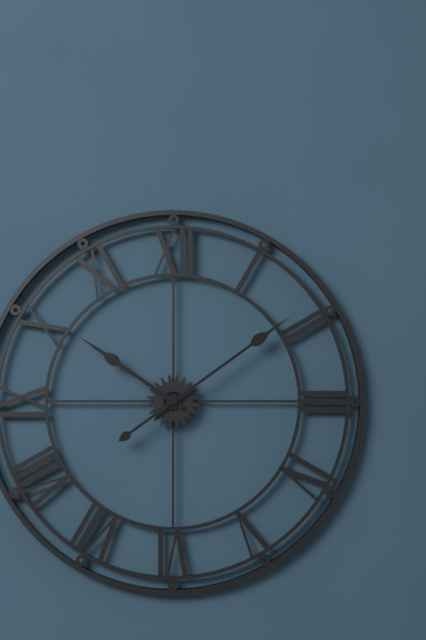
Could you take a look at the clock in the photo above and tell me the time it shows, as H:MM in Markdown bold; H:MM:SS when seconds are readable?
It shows **10:09**
